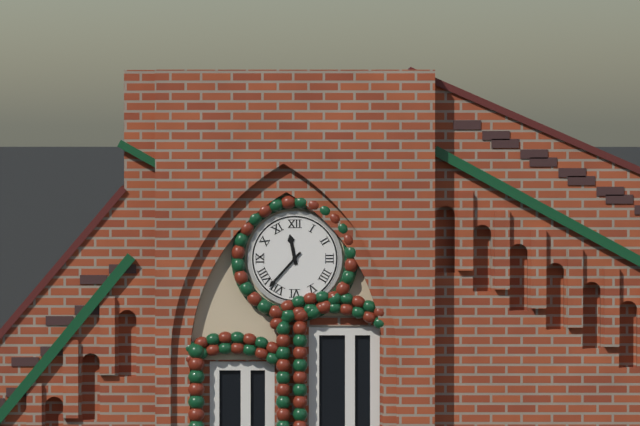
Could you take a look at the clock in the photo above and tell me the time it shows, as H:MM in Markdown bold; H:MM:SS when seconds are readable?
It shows **11:37**
